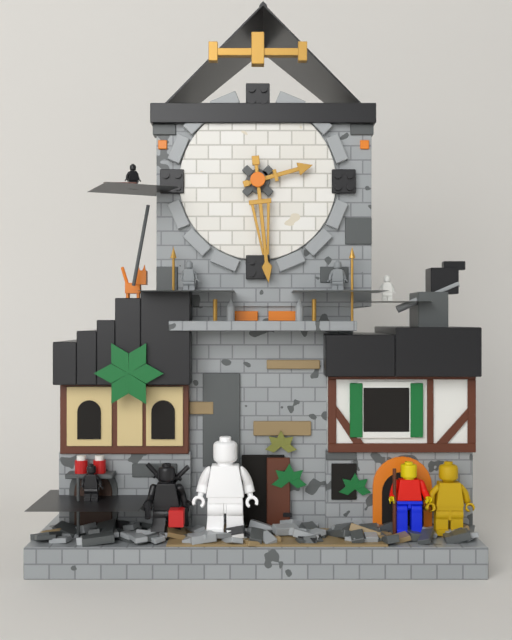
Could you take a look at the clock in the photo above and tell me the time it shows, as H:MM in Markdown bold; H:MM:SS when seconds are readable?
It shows **2:29**
